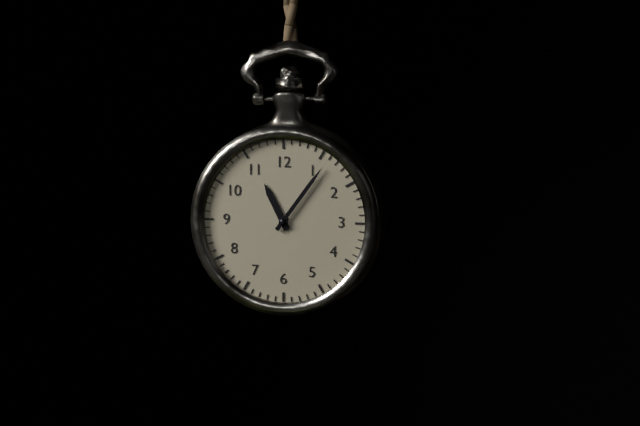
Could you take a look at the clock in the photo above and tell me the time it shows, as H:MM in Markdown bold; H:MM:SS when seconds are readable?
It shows **11:06**
